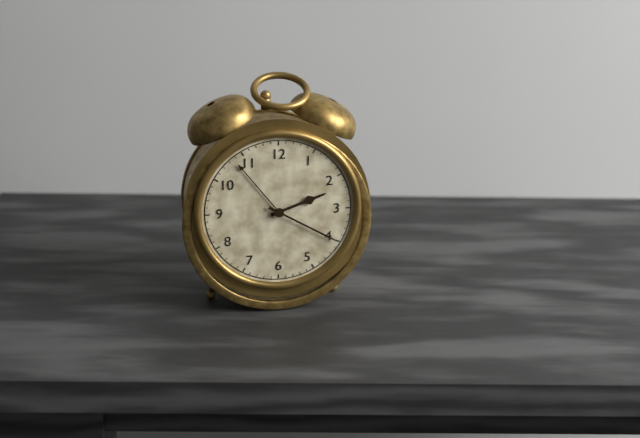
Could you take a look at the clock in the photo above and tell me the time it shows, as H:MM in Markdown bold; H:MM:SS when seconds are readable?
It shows **2:20**
